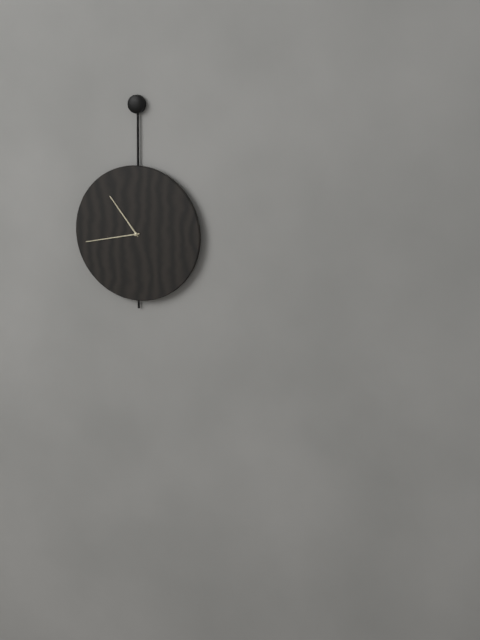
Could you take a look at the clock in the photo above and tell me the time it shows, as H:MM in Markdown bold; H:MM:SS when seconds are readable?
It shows **10:43**
